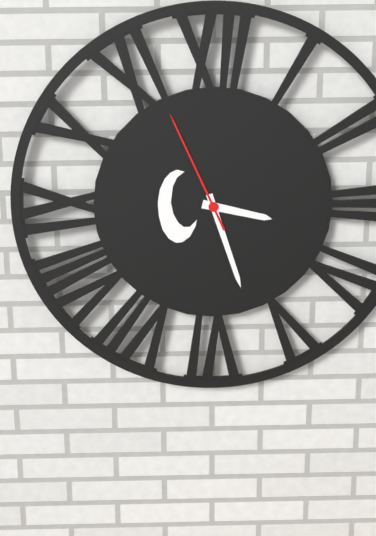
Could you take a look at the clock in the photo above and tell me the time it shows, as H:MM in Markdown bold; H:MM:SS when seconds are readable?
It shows **3:27:56**
